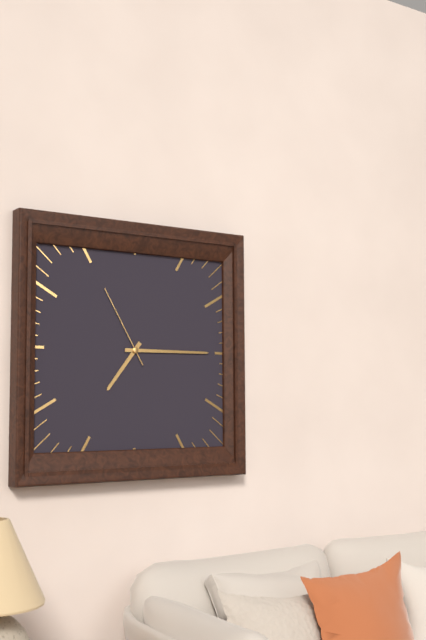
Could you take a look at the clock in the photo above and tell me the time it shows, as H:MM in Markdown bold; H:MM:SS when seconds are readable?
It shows **7:15:55**
